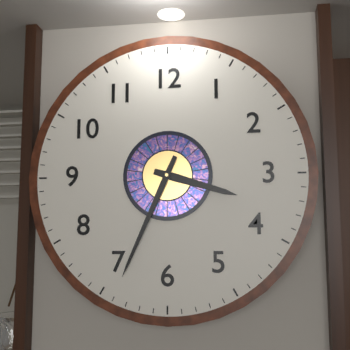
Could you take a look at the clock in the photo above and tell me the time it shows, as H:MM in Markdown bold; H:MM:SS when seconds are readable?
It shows **3:34**
